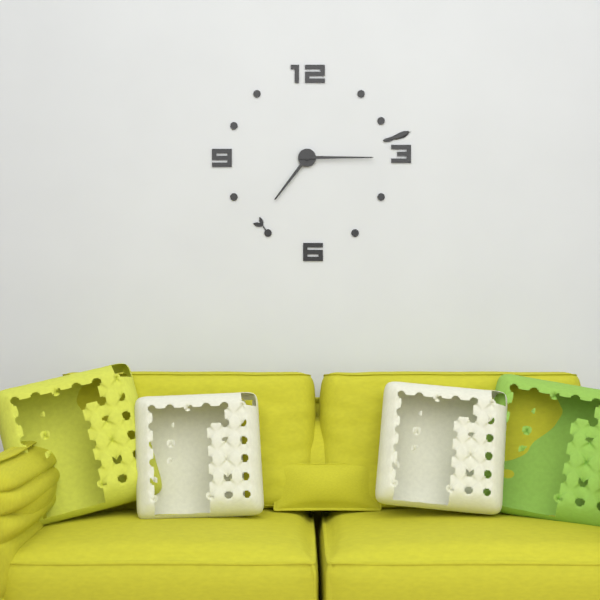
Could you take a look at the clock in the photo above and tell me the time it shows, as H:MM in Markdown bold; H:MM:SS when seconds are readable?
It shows **7:15**
